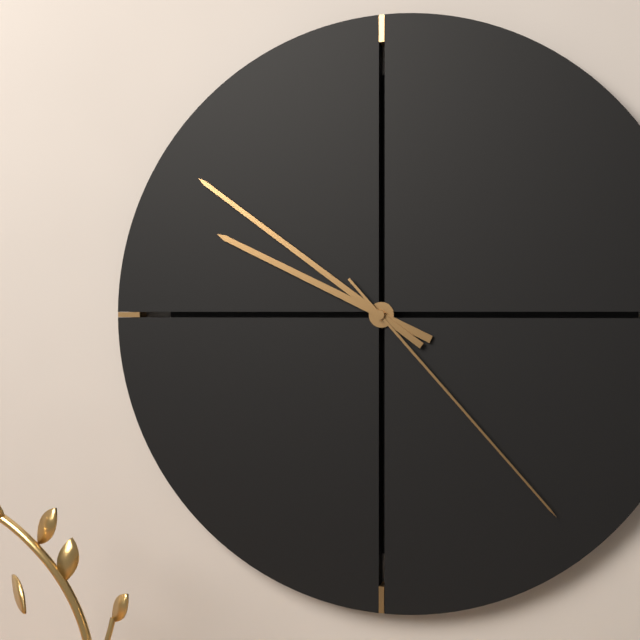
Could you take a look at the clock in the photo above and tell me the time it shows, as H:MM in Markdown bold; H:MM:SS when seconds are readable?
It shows **9:51:23**
